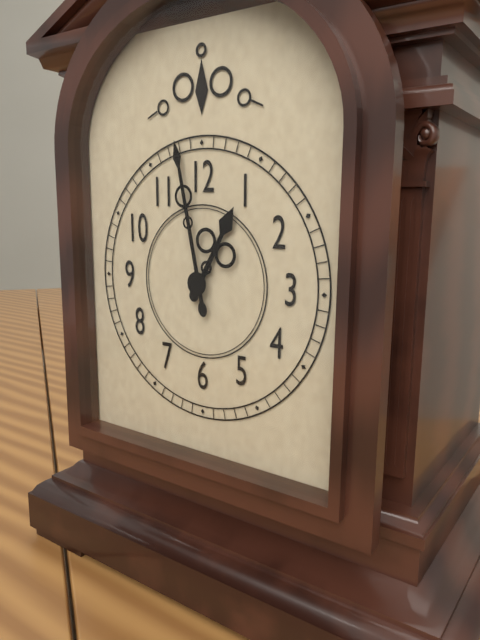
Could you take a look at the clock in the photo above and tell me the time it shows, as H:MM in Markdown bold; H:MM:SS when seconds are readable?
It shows **12:58**
